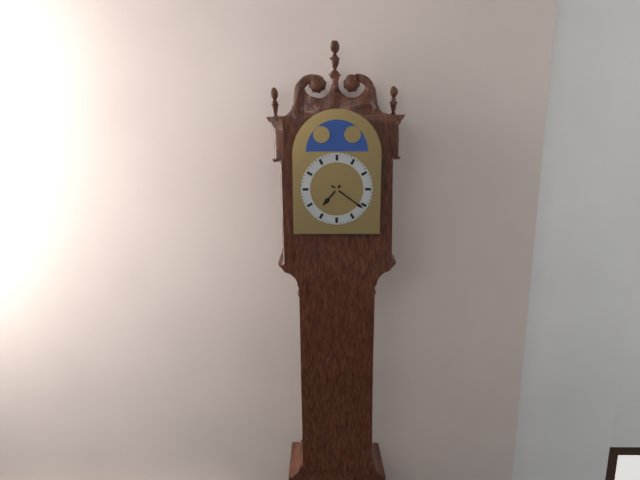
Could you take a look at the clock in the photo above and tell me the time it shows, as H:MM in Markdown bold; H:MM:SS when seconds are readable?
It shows **7:21**
